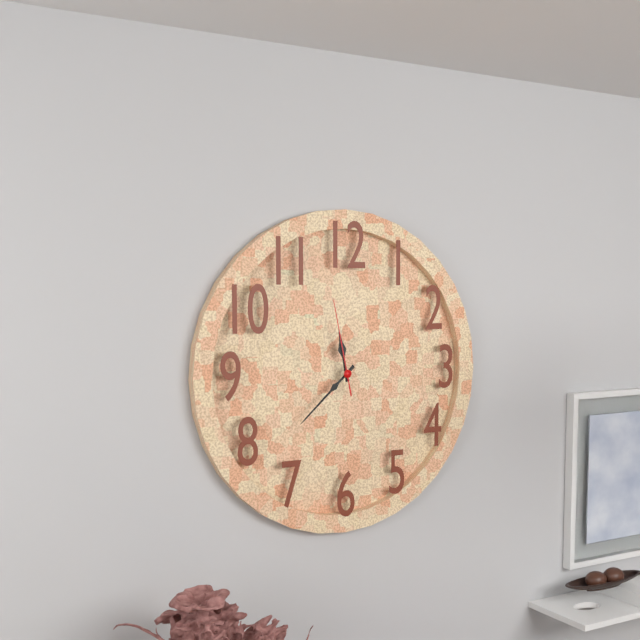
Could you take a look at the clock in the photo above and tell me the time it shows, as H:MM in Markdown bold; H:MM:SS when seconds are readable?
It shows **11:38:58**
